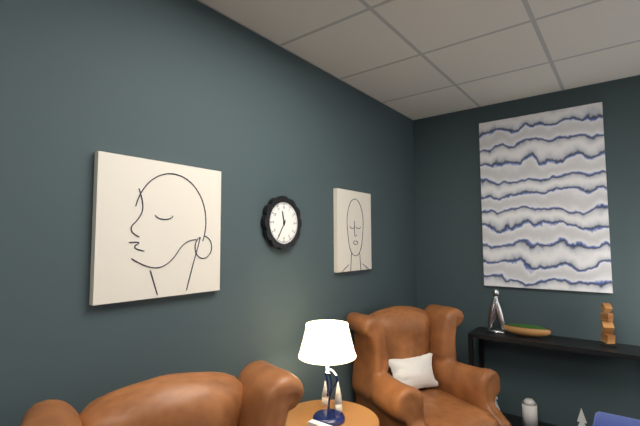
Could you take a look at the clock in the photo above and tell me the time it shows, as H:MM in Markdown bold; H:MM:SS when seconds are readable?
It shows **11:35**
